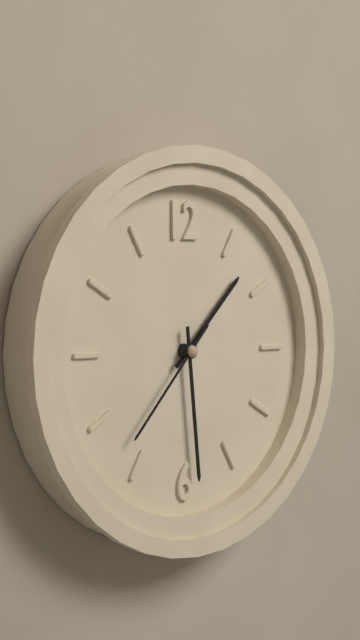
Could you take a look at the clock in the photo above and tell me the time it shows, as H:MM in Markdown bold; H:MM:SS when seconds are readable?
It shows **1:29:37**
